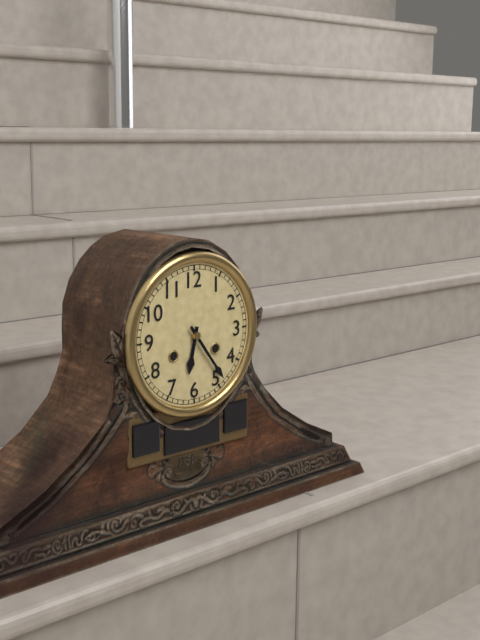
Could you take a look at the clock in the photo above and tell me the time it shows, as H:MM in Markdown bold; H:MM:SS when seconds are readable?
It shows **6:24**
